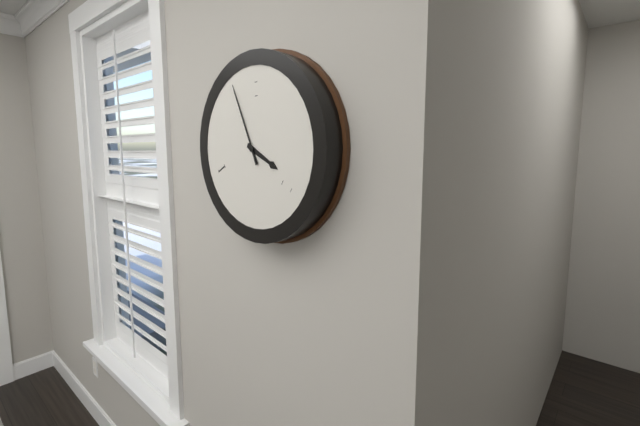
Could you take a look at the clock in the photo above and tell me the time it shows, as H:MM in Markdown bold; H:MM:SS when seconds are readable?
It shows **3:56**
